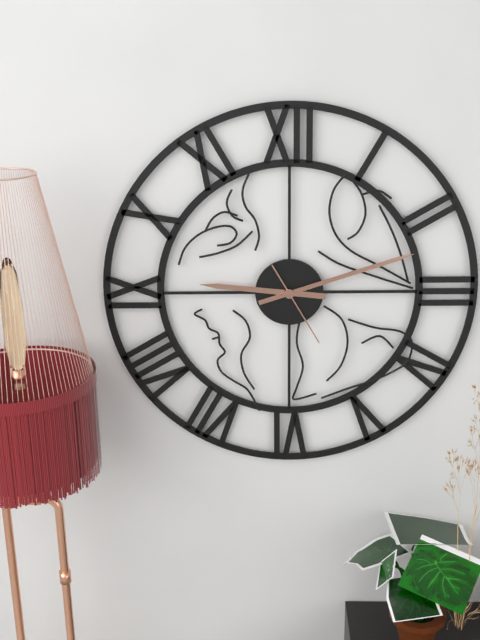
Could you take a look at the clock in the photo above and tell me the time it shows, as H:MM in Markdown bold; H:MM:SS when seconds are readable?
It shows **9:12:25**
